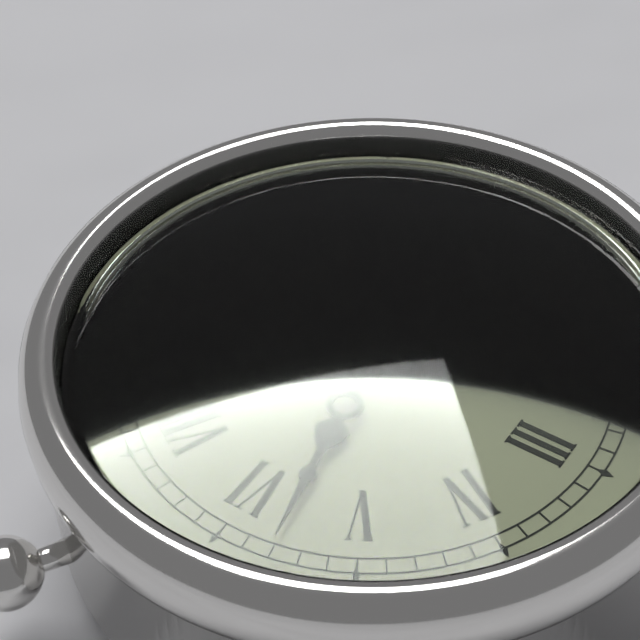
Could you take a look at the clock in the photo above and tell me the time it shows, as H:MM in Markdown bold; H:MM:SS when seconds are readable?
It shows **11:28**
